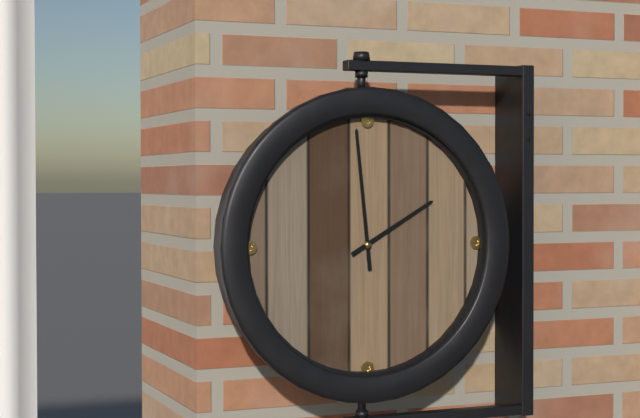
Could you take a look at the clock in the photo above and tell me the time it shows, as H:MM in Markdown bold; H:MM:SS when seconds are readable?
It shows **1:59**
